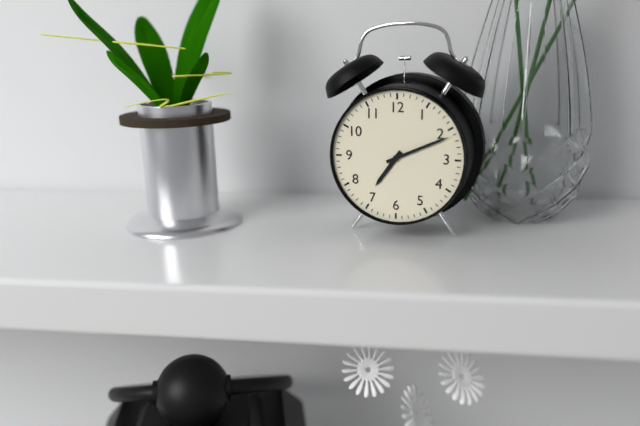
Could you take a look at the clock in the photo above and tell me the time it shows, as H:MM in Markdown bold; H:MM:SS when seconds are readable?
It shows **7:11**
